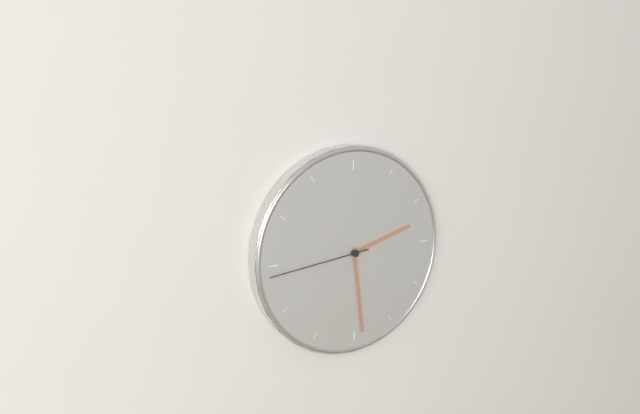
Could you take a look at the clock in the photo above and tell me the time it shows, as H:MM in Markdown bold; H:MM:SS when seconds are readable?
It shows **2:29:44**
